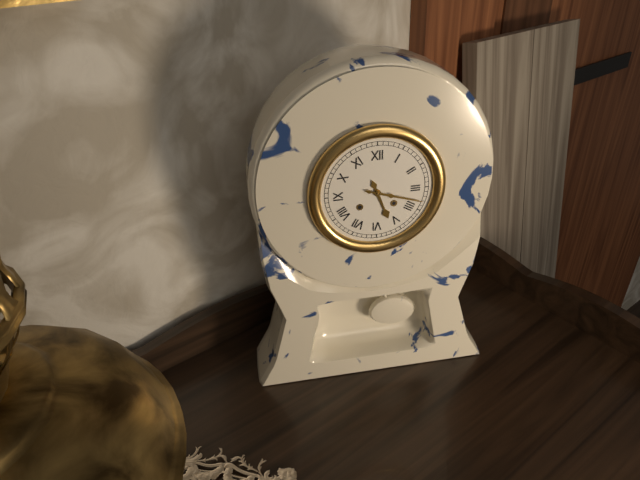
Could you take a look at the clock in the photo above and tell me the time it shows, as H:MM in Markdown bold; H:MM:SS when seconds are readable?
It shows **5:18**
